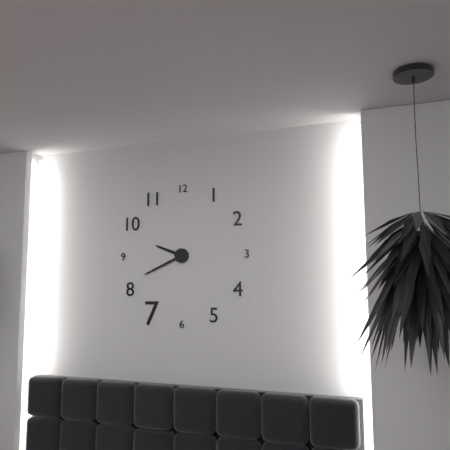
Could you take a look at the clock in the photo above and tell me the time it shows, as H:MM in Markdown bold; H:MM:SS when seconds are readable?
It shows **9:41**
